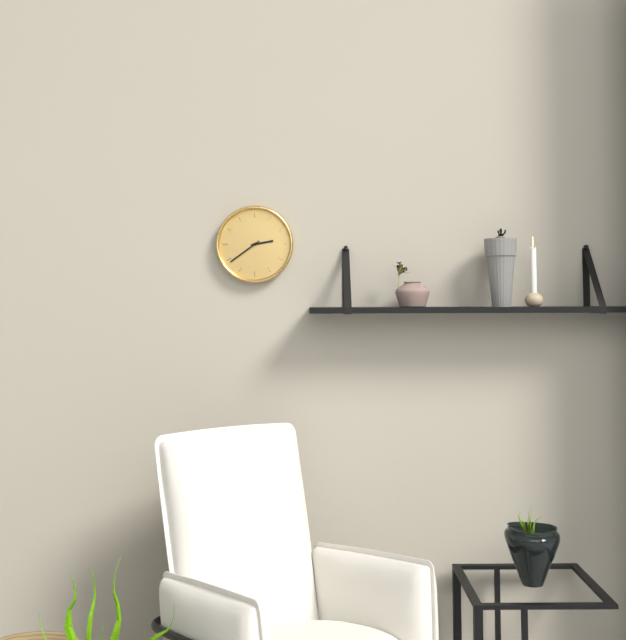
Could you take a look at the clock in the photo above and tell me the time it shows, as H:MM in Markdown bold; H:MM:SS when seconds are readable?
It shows **2:39**
